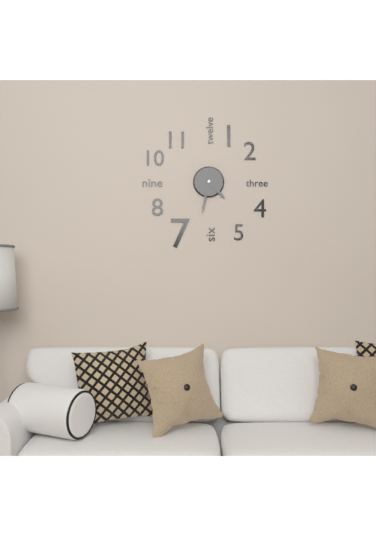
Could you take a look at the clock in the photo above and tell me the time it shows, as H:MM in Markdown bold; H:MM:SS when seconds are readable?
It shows **4:32**
